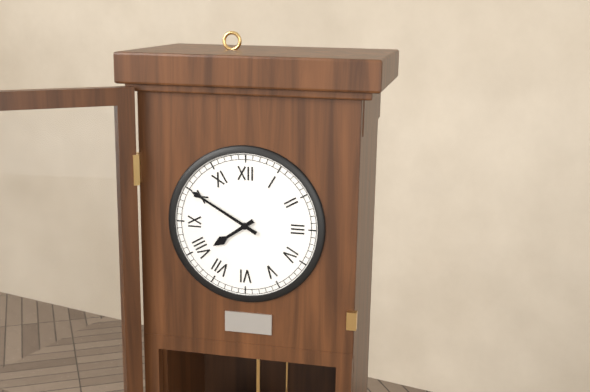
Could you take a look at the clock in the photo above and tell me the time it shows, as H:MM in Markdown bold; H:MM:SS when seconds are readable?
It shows **7:50**
